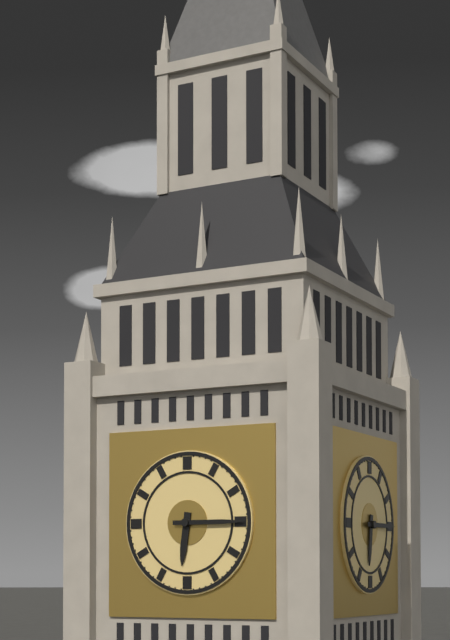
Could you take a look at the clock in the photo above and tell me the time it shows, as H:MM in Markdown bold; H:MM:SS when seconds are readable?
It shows **6:15**
